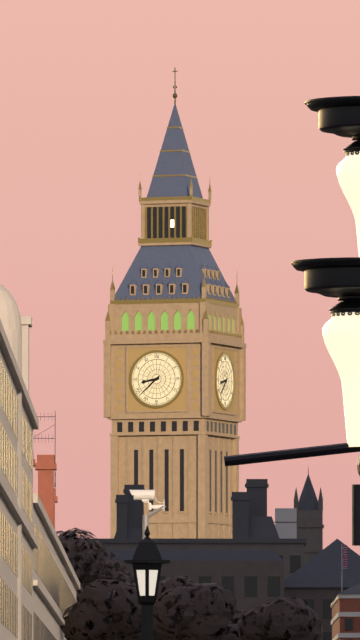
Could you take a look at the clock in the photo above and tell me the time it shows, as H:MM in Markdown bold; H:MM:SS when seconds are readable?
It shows **8:38**
